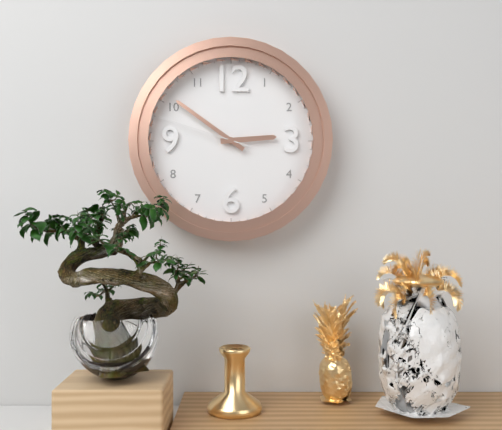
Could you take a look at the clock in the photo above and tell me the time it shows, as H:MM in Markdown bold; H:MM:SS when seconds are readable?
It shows **2:51:48**
